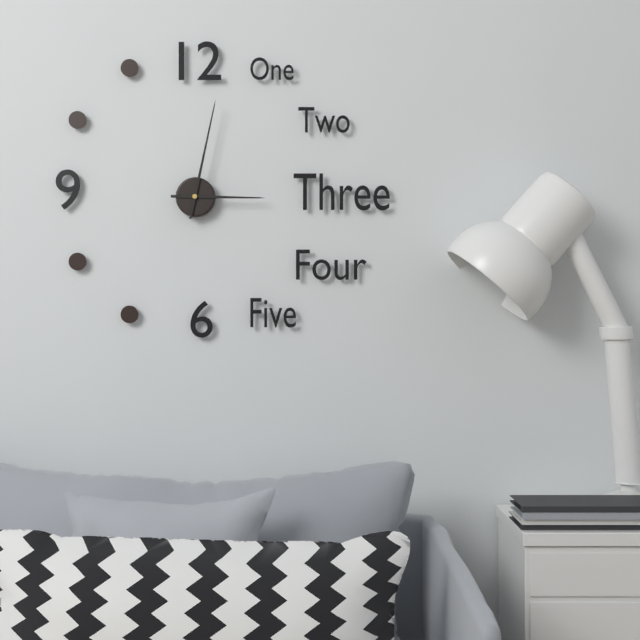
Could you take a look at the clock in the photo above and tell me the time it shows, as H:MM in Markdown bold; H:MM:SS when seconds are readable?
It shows **3:02**
